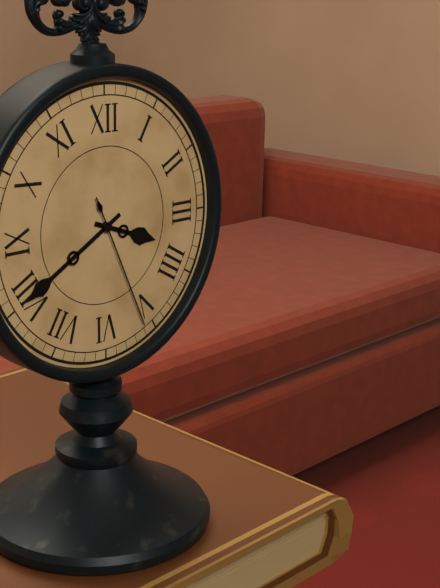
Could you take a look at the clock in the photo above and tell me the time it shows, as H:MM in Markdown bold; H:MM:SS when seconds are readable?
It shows **3:40:26**
